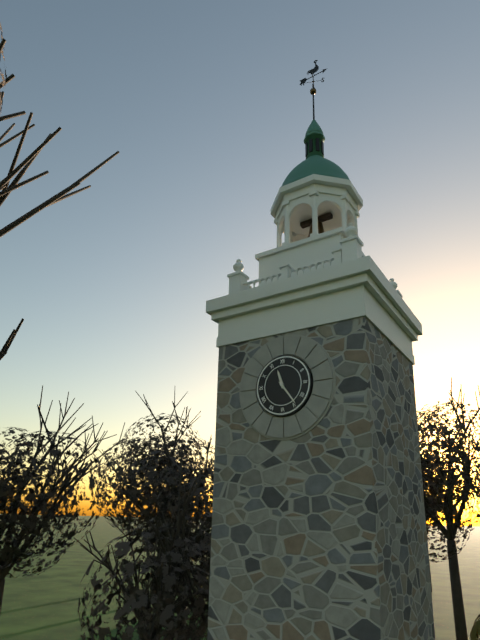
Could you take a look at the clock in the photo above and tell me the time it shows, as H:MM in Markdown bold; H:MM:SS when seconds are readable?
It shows **11:24**
